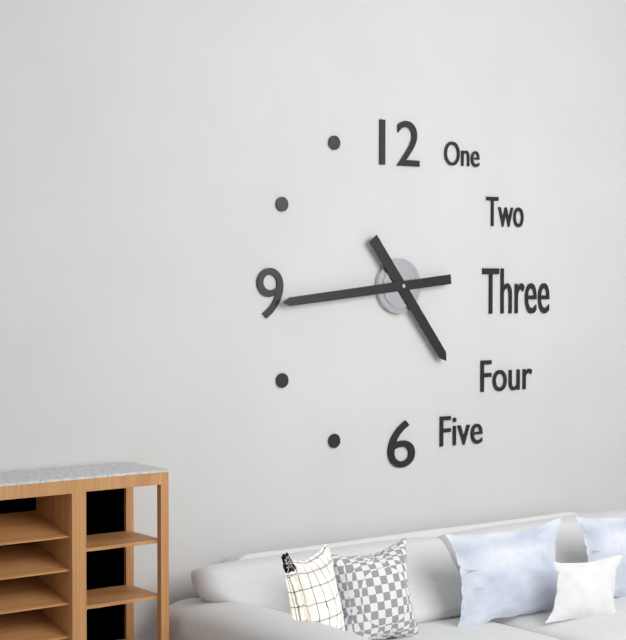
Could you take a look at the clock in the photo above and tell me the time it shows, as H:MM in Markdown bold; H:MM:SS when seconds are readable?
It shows **4:44**
